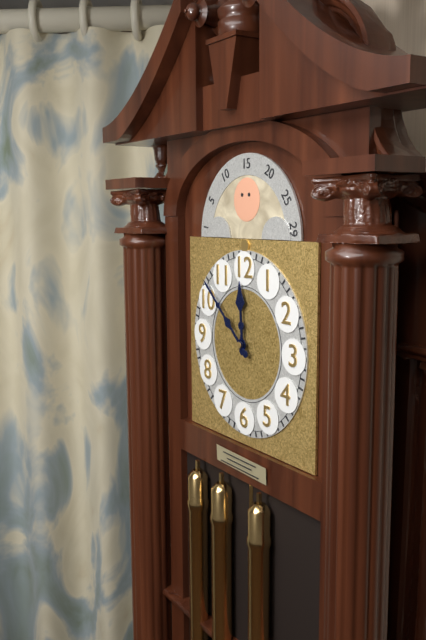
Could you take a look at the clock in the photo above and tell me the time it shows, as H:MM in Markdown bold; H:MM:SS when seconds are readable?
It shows **11:52**
